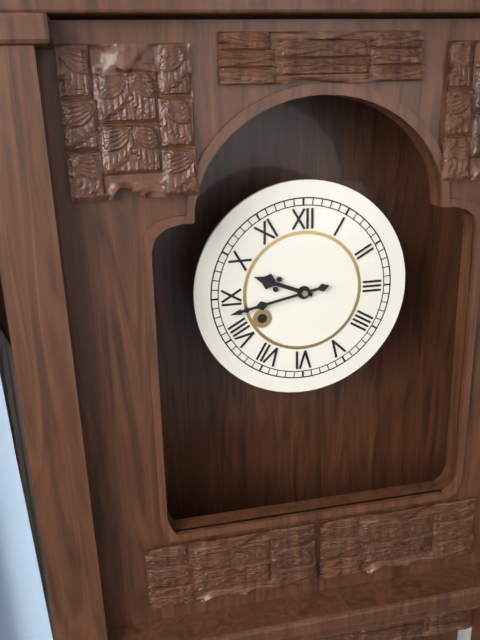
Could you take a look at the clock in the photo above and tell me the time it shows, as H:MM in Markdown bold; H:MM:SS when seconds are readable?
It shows **9:43**
